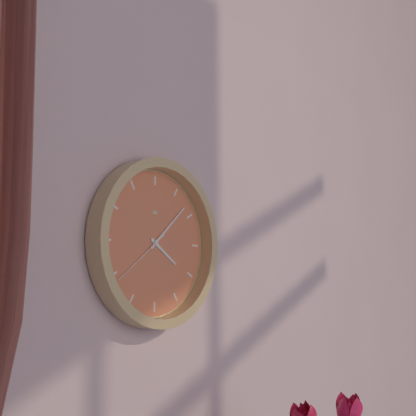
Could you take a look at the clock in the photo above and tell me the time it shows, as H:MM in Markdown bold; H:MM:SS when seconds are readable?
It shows **4:08:39**
